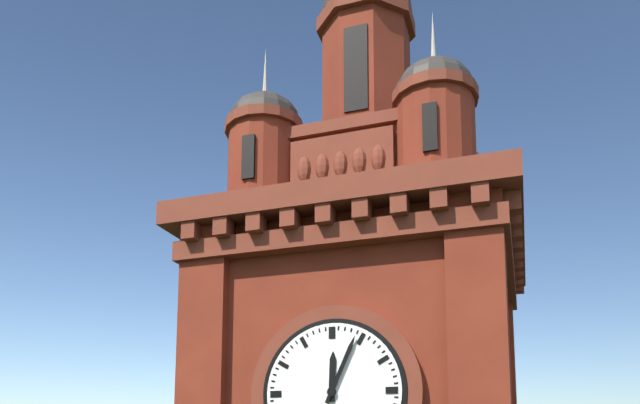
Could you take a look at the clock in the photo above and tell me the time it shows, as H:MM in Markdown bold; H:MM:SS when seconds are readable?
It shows **12:04**
